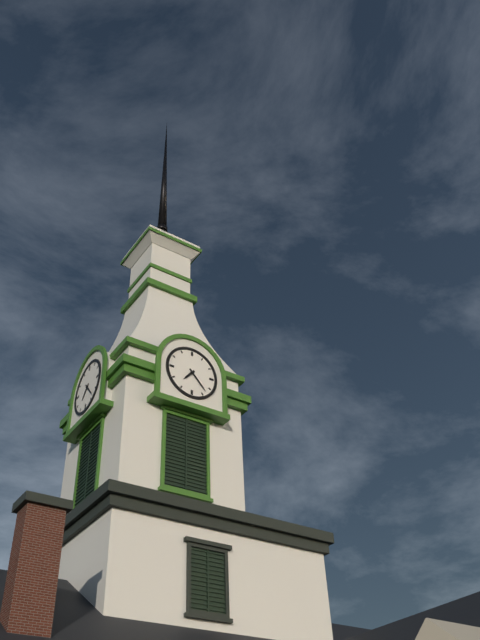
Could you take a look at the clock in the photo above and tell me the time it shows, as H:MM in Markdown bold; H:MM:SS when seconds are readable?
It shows **7:23**
